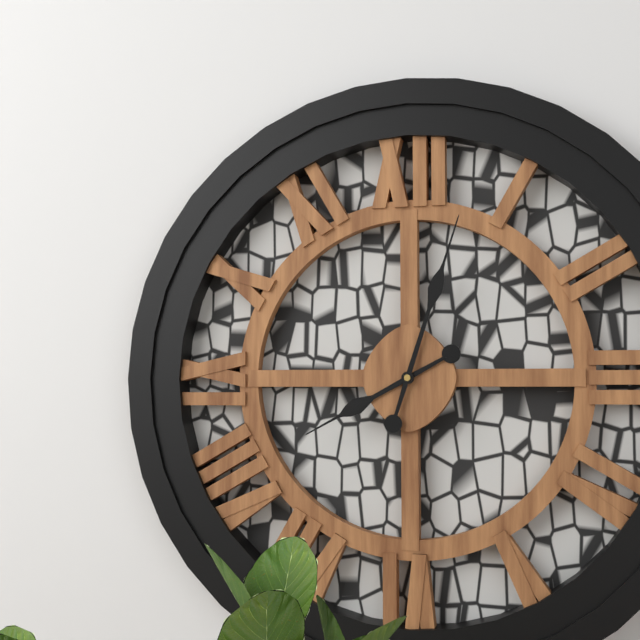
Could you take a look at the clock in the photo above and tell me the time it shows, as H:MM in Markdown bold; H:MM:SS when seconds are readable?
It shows **8:03**
